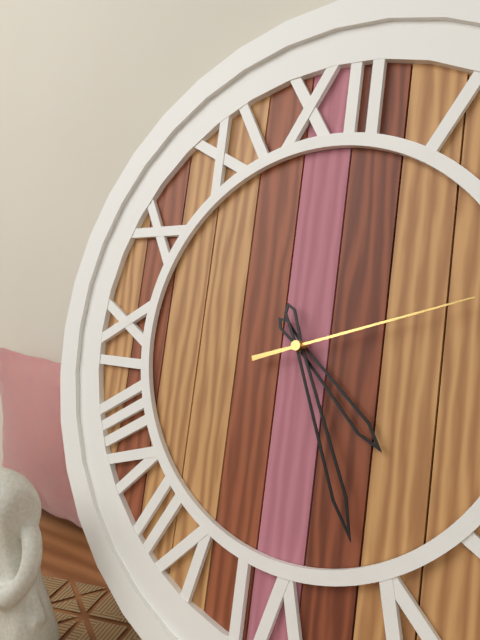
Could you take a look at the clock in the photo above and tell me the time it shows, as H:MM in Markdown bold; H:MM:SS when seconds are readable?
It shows **4:26:12**
